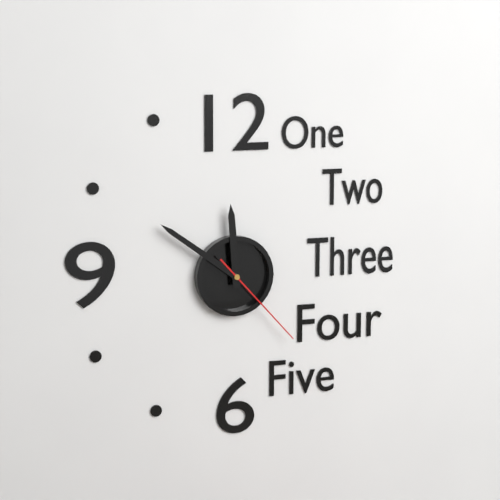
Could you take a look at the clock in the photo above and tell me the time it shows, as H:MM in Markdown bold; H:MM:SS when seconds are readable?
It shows **11:51:23**
